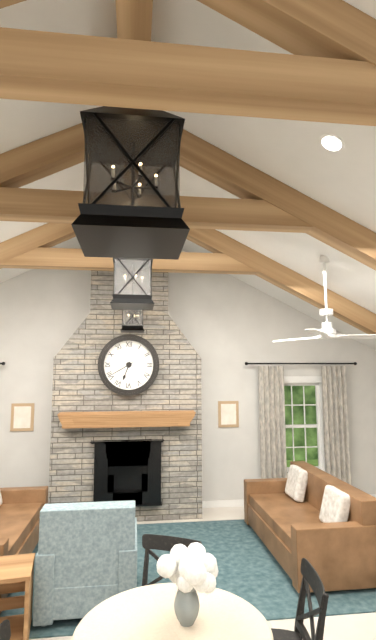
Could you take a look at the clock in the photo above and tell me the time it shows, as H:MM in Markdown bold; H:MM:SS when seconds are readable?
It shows **6:40**
